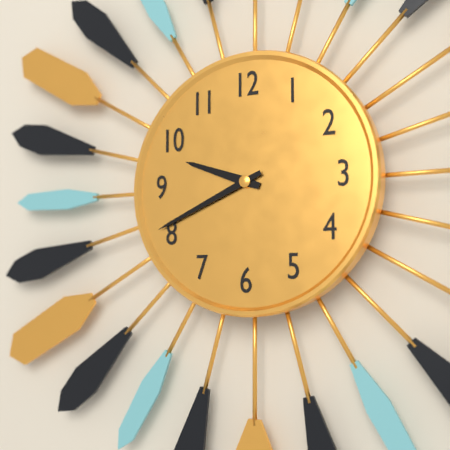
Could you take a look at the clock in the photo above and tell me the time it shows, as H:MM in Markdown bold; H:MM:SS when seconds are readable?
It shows **9:41**
